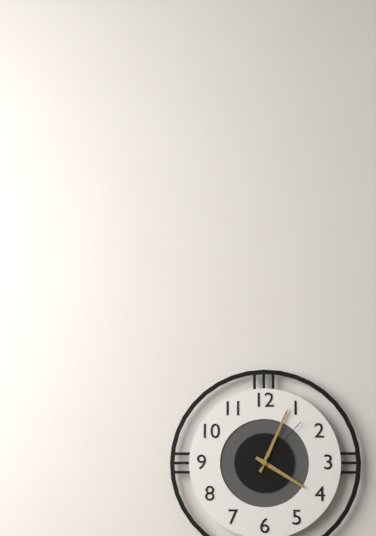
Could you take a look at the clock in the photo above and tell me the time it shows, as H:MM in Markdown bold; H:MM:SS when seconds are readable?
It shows **4:04:07**
